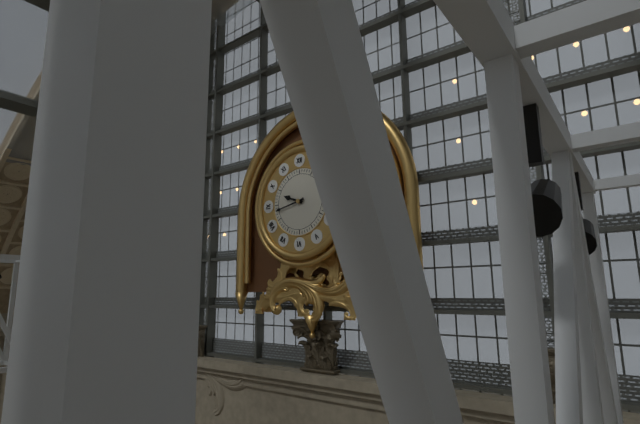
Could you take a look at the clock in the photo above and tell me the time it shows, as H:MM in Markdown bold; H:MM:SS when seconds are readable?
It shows **9:43**
